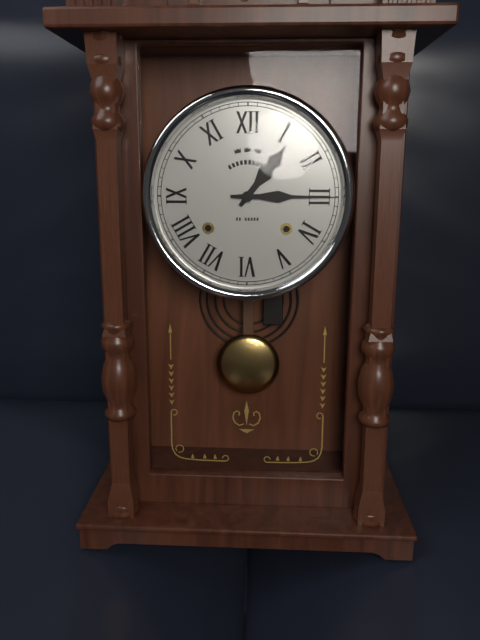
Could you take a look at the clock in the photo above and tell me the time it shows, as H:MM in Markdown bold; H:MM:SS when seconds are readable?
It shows **1:15**
